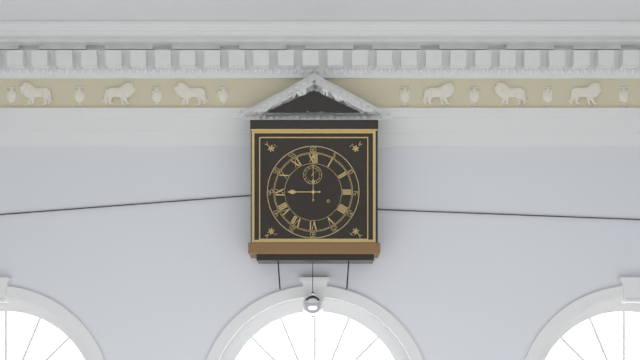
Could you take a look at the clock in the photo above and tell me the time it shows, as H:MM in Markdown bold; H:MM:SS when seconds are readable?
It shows **9:00**
